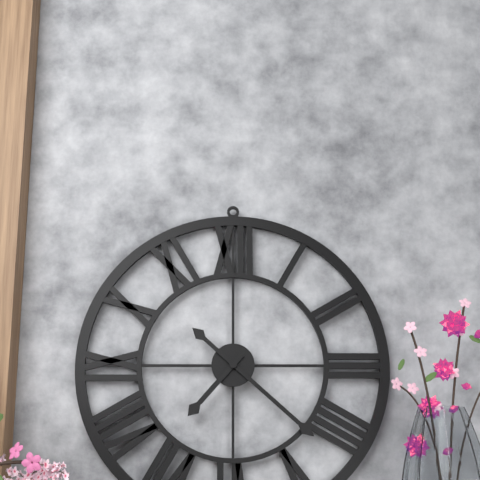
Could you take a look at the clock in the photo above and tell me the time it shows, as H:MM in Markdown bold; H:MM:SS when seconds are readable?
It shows **7:22**
